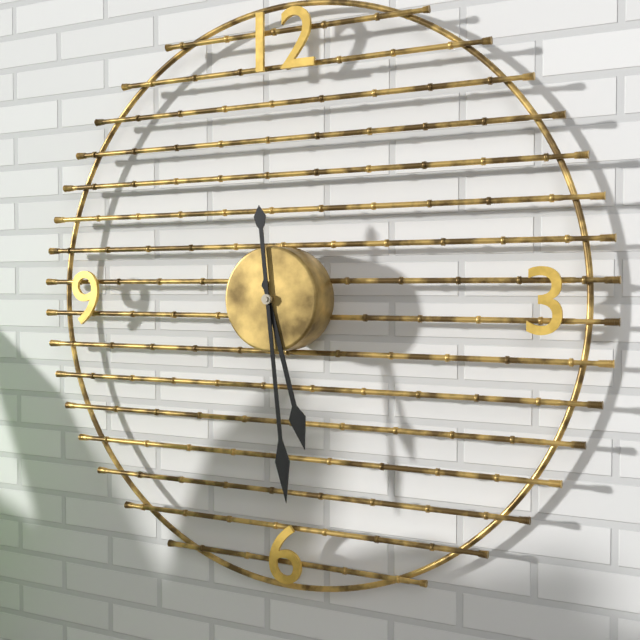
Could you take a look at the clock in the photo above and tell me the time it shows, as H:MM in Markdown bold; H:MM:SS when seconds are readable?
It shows **5:29**
